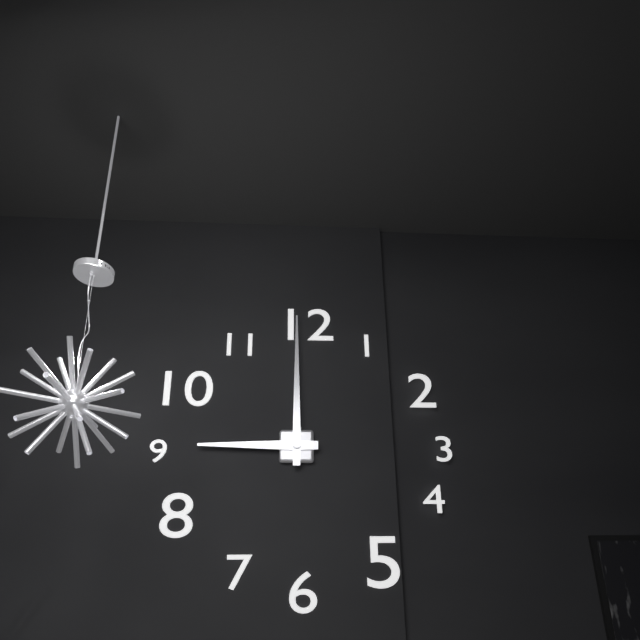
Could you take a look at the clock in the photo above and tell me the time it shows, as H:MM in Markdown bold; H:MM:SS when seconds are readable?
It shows **9:00**
